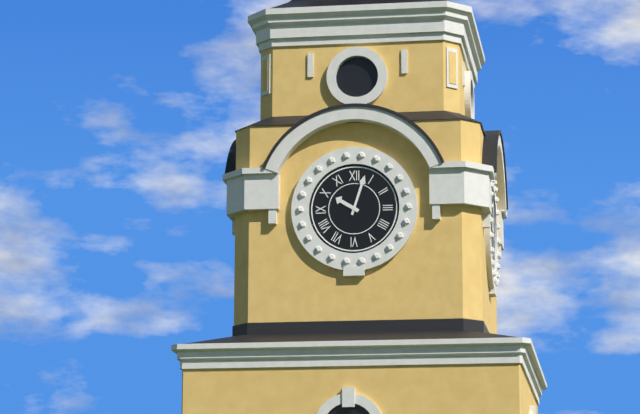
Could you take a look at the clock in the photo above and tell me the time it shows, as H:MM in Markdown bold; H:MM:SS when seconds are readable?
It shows **10:03**
